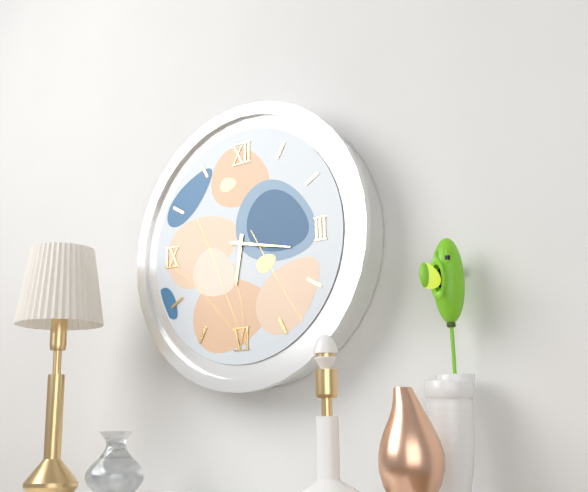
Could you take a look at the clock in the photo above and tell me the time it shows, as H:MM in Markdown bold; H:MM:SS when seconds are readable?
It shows **6:17**
